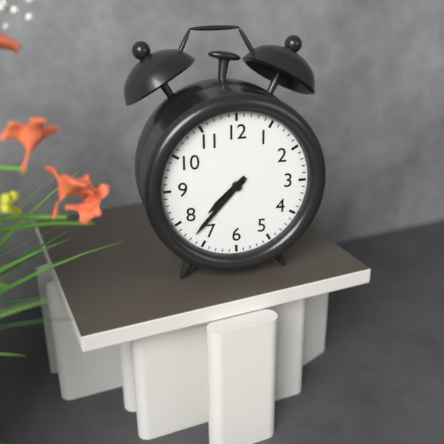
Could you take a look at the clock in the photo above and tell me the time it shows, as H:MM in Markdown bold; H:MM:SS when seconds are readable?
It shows **7:37**
